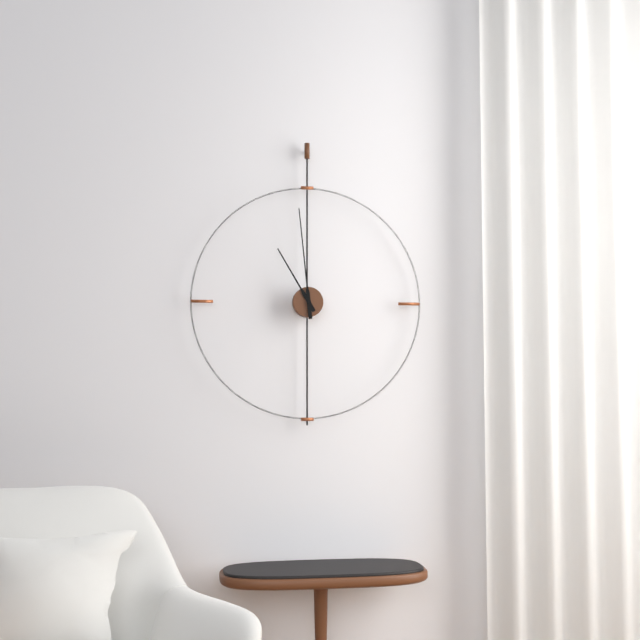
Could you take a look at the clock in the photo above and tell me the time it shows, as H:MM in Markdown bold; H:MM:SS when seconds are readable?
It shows **10:59**
